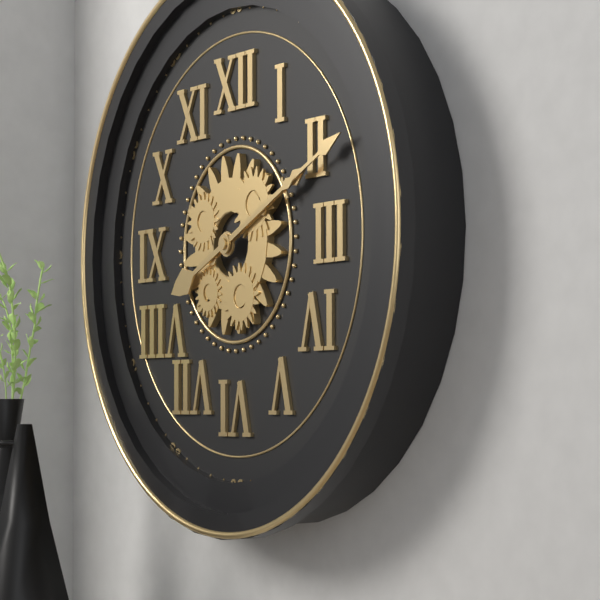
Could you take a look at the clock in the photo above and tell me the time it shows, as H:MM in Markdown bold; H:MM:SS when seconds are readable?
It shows **2:11**
